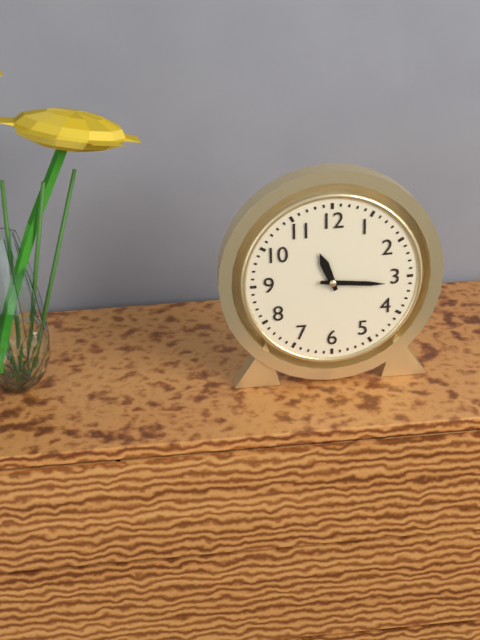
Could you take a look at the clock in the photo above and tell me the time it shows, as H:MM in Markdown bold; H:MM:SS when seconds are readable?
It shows **11:16**
